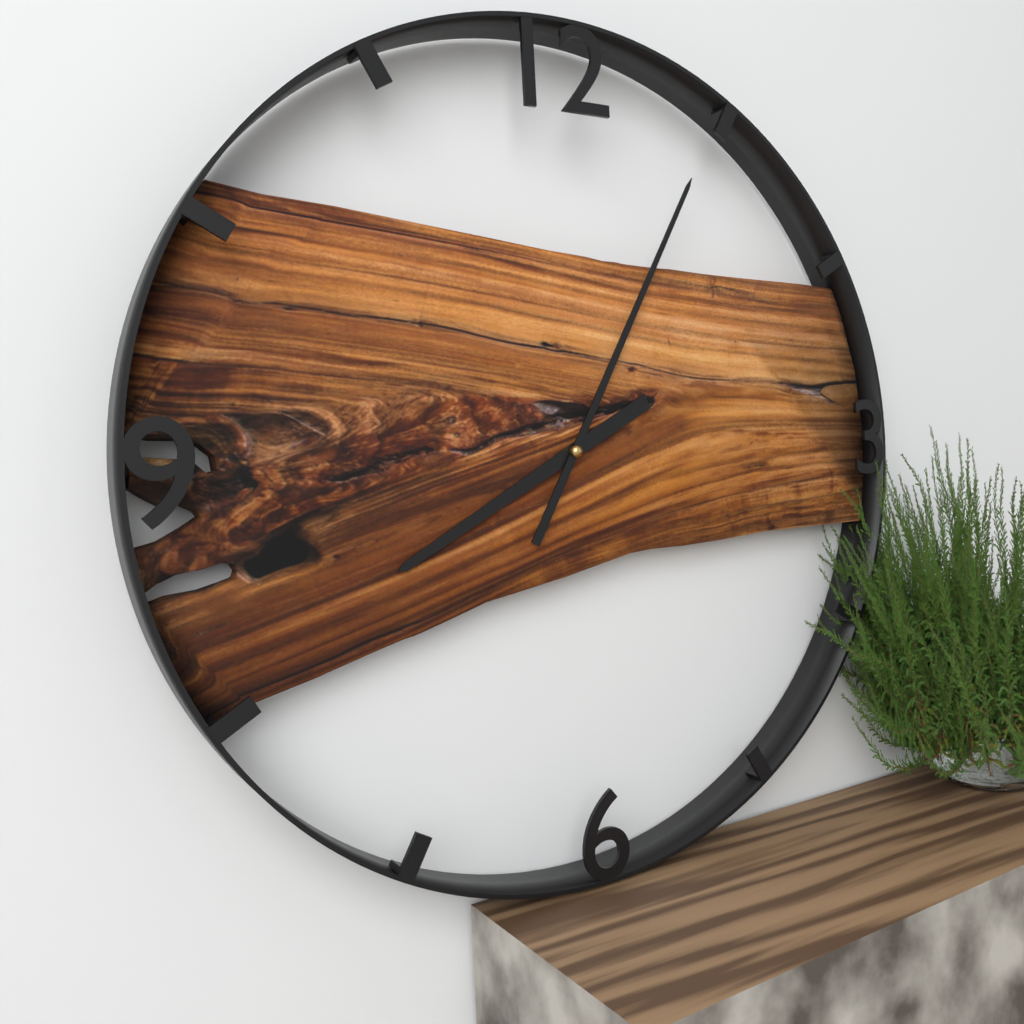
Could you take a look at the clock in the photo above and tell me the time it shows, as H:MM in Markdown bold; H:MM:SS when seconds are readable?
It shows **8:05**
